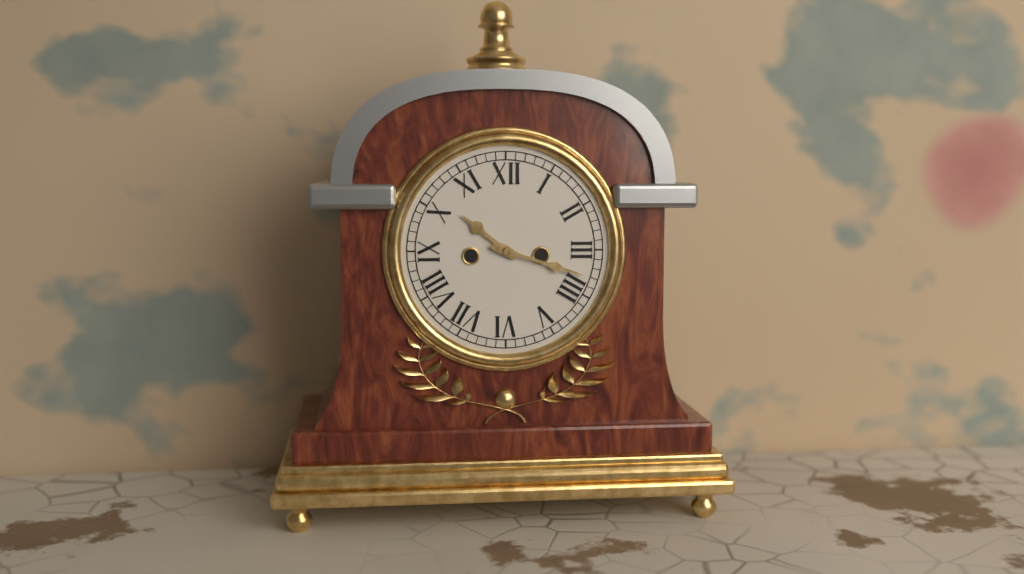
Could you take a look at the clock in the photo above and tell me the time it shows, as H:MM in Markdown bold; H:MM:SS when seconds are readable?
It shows **10:18**
